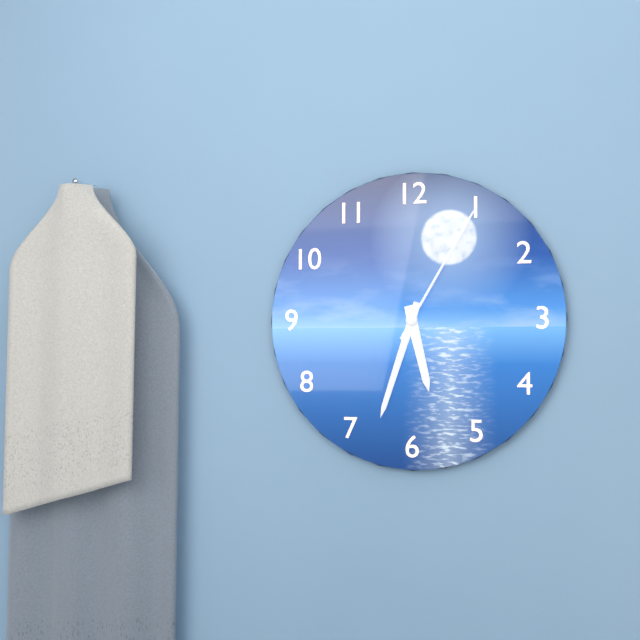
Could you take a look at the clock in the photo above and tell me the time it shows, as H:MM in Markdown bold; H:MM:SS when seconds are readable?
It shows **5:33:05**
